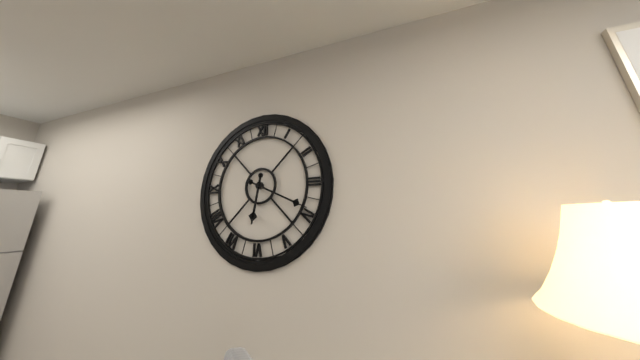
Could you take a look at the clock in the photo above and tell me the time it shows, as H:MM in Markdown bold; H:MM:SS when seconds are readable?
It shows **6:19**
